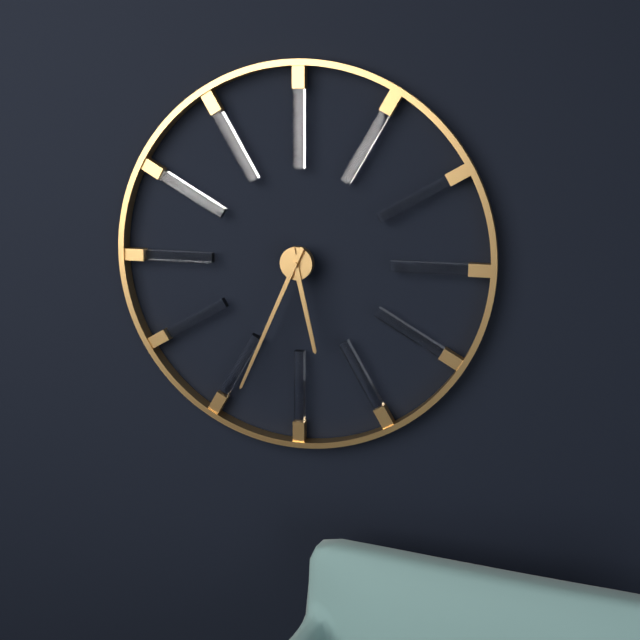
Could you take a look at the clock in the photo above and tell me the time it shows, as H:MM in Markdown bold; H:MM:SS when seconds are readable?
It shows **5:34**
